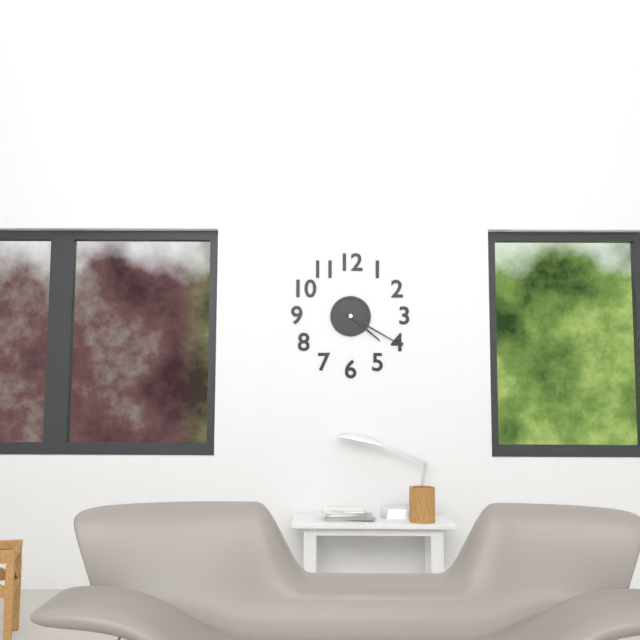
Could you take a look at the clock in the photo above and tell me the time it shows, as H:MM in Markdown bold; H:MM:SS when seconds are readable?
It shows **4:20**
